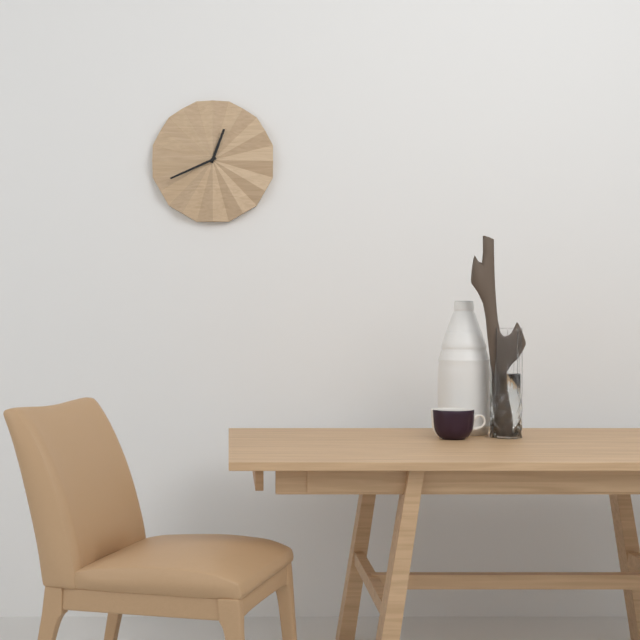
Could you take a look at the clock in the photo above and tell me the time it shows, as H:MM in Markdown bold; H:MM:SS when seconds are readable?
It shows **12:41**
